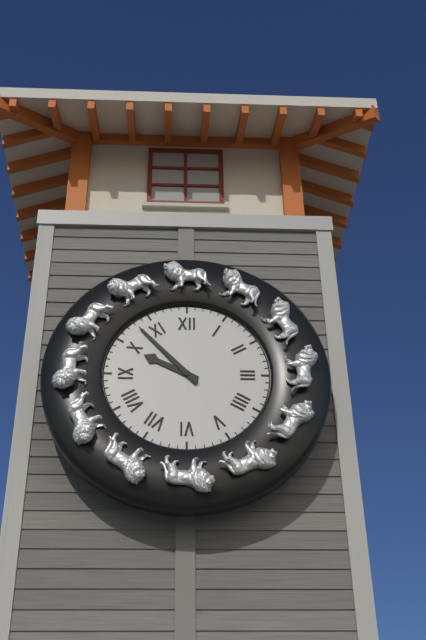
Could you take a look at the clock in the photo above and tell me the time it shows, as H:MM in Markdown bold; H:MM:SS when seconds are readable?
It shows **9:53**
